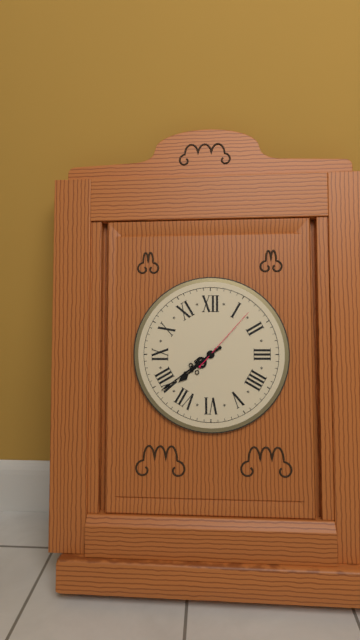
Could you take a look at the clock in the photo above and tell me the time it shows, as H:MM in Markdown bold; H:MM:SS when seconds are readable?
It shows **7:39:07**
